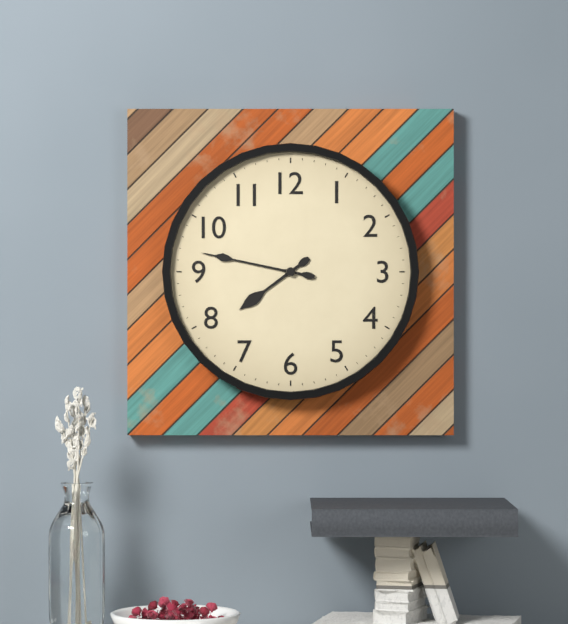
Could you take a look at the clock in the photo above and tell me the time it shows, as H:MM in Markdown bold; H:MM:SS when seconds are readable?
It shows **7:47**
